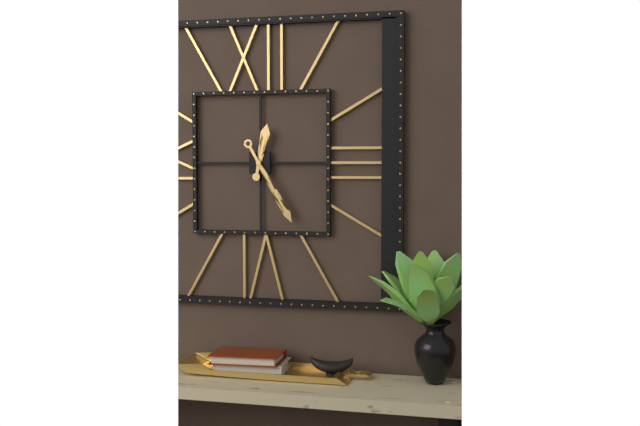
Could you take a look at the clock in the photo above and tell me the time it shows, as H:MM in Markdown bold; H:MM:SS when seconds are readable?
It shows **12:25**
